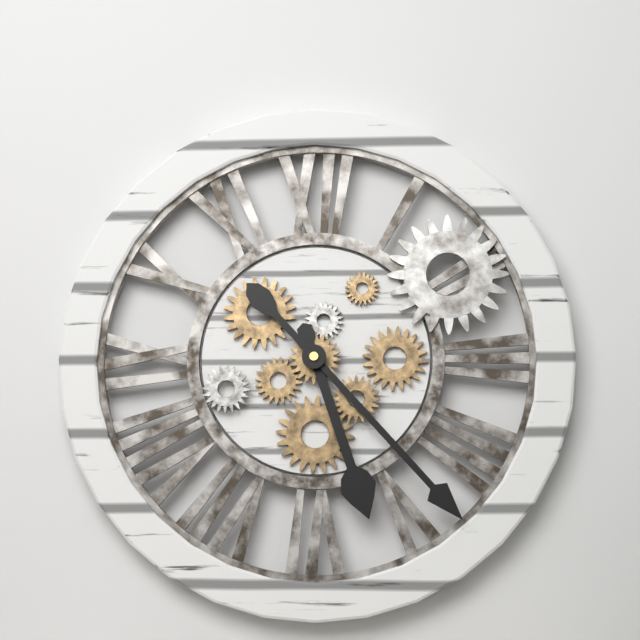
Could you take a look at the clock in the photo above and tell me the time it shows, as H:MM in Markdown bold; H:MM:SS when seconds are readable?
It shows **5:23**
